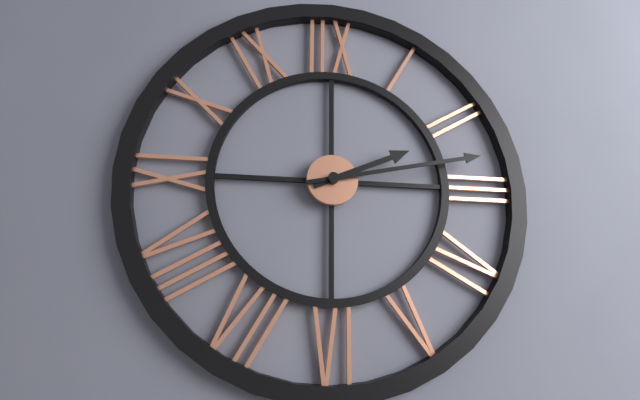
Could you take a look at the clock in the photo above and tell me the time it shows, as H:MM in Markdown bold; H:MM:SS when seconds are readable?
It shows **2:13**
